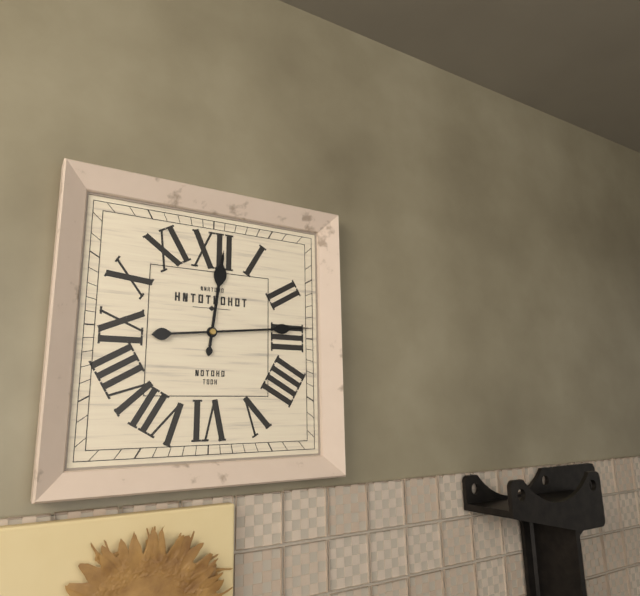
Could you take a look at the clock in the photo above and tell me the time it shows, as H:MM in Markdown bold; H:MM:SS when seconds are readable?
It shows **12:14**
